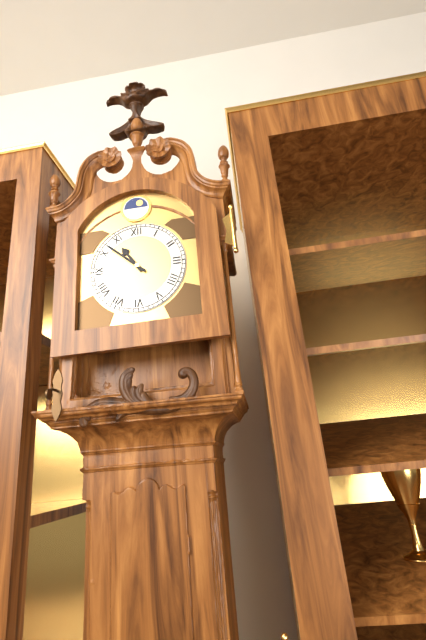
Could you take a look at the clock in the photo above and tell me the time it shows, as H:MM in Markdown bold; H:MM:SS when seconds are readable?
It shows **10:52**
